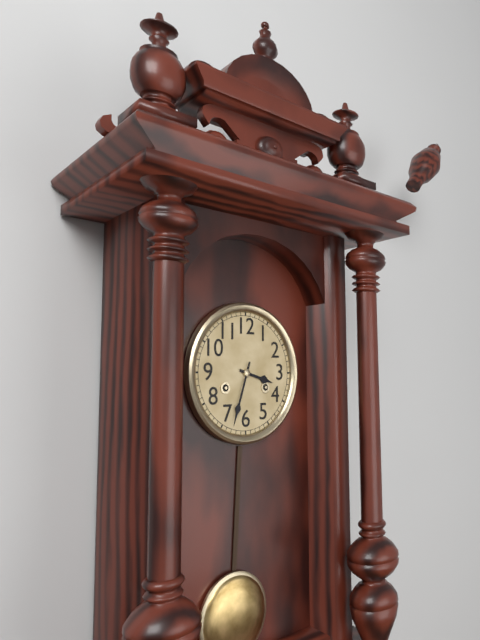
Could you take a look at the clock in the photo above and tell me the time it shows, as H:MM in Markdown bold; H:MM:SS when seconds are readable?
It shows **3:33**
